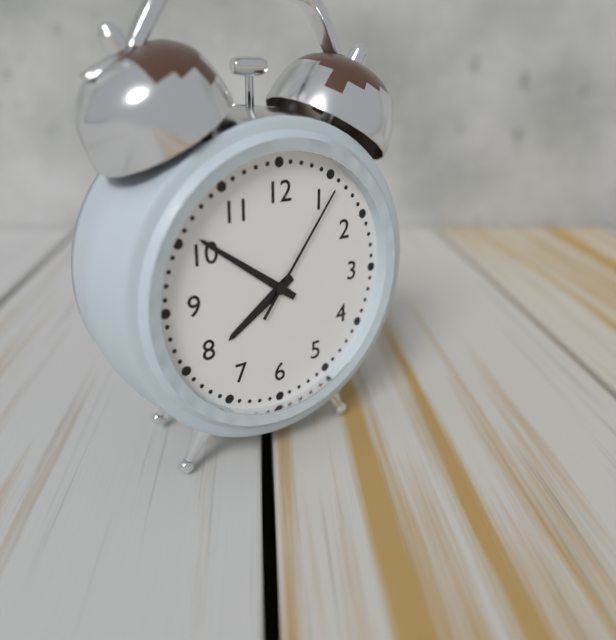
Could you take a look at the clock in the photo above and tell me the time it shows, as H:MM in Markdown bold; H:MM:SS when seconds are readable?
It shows **7:51:06**
